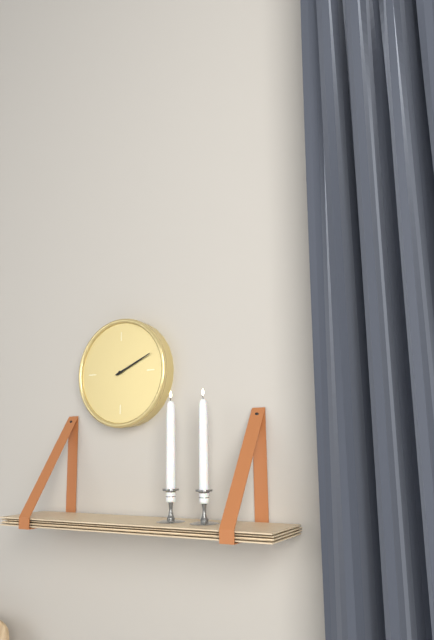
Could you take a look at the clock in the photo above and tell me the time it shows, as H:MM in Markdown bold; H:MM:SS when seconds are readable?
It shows **2:11**
